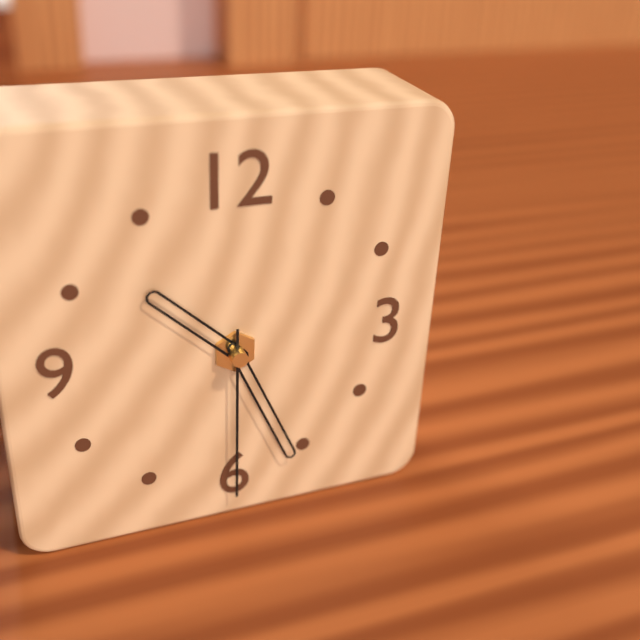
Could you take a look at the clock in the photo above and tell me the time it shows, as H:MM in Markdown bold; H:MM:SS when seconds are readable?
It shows **10:26:30**
